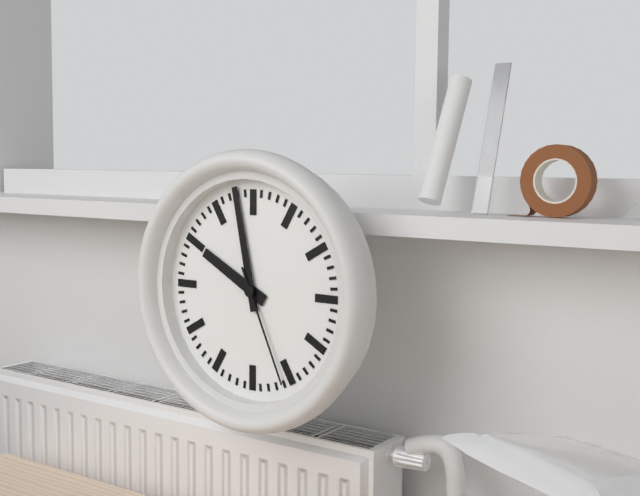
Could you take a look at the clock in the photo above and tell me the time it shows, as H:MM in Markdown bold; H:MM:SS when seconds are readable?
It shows **9:58:26**
